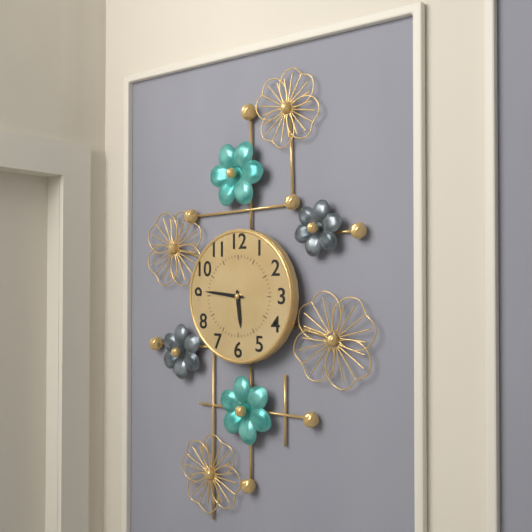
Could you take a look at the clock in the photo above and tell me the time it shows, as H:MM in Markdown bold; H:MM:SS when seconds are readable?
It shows **5:46**
